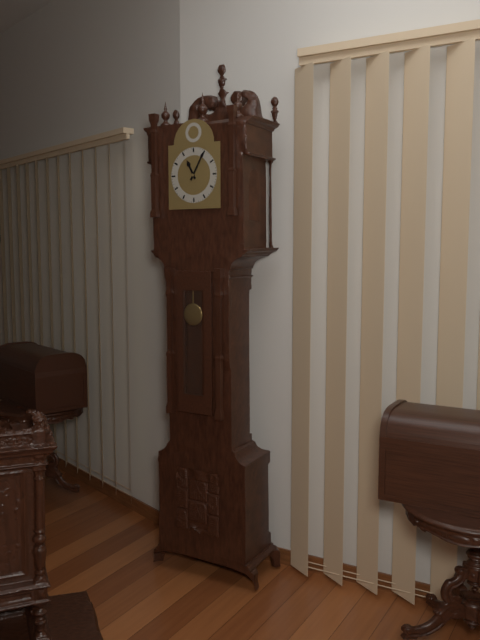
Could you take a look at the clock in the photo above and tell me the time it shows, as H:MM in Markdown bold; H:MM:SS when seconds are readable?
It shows **11:05**
